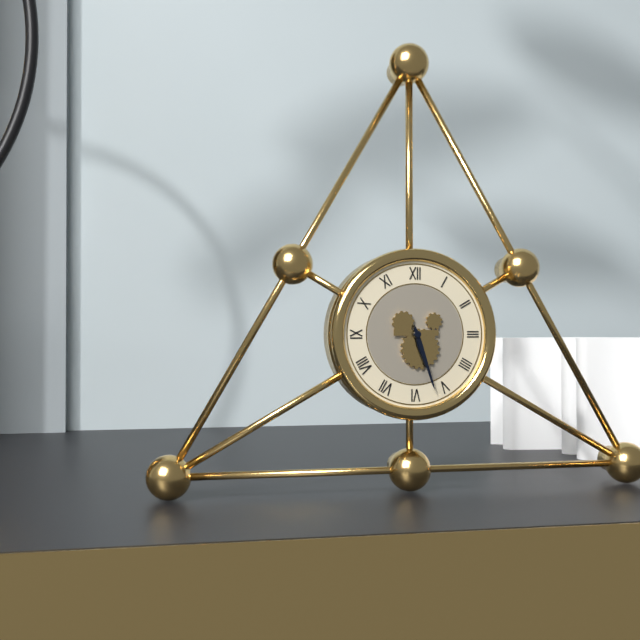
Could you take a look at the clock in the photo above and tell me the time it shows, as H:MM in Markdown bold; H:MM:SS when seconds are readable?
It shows **5:27**
